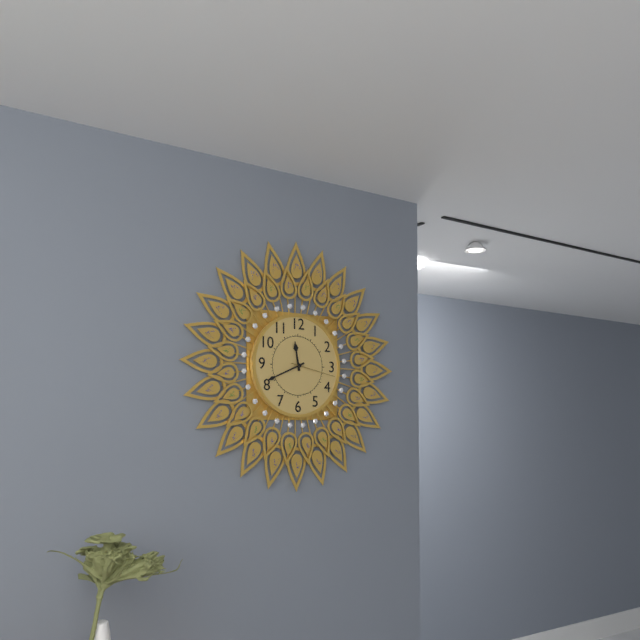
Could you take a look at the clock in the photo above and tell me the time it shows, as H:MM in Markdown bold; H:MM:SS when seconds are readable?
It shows **11:41**
